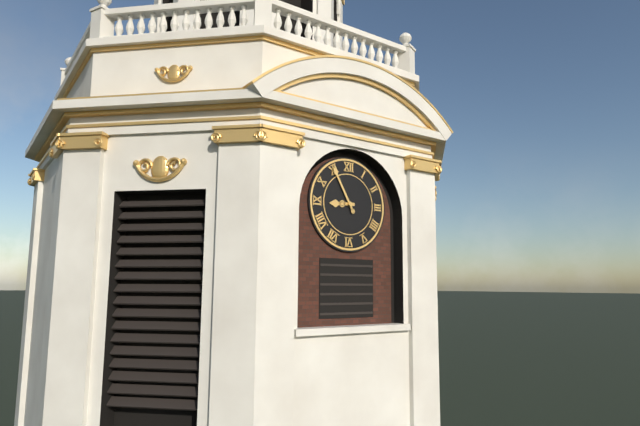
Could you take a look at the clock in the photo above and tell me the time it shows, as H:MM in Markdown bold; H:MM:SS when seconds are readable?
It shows **8:55**
